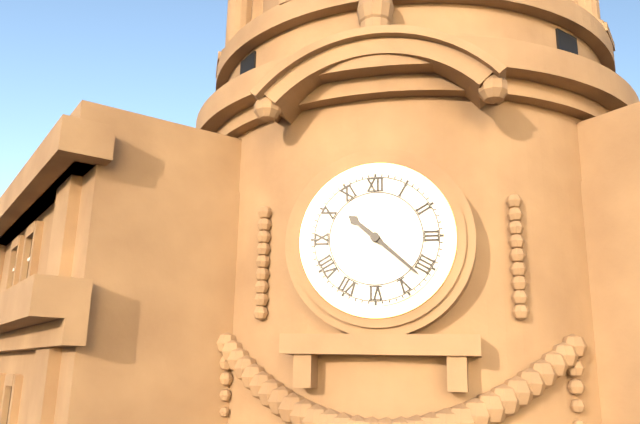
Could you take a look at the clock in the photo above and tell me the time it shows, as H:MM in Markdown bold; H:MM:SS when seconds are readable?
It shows **10:22**
